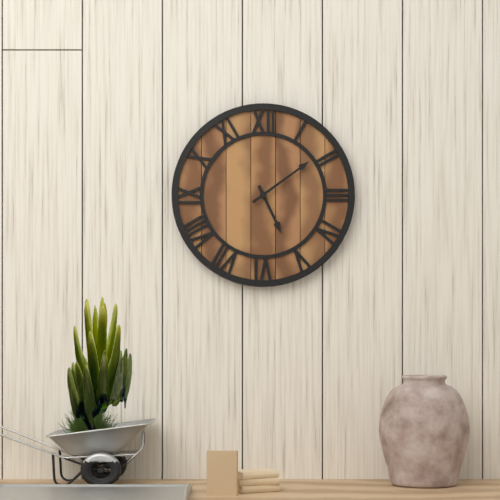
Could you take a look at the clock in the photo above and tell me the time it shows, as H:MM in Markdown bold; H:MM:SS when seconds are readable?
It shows **5:09**
